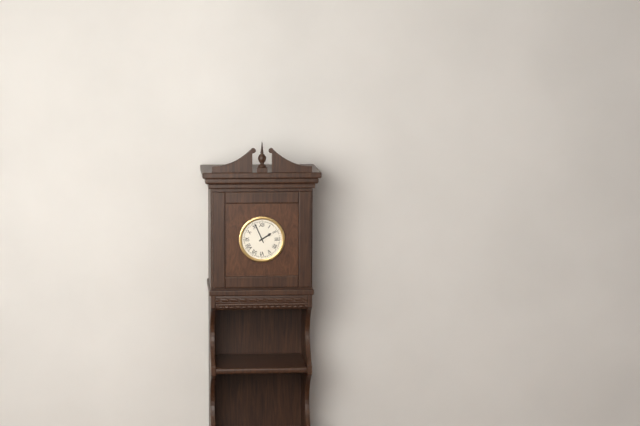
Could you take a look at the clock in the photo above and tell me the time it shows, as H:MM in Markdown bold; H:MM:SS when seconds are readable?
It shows **1:56**
